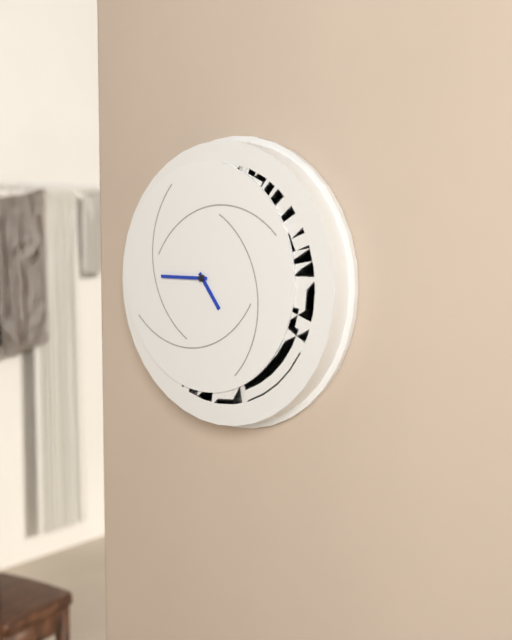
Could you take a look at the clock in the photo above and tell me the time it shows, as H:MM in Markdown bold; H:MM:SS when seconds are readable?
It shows **4:45**
